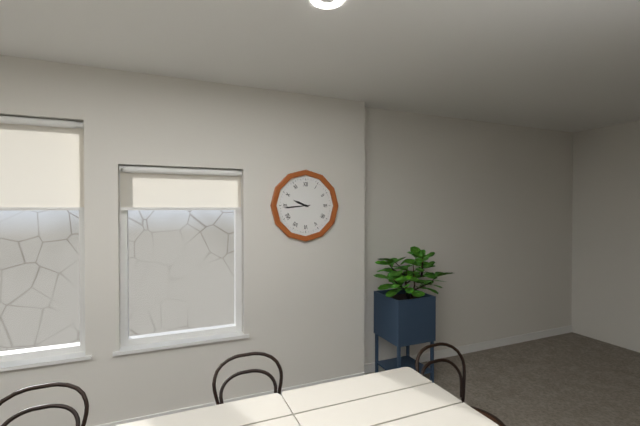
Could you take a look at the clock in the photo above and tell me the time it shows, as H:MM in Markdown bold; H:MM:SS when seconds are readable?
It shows **9:44**
